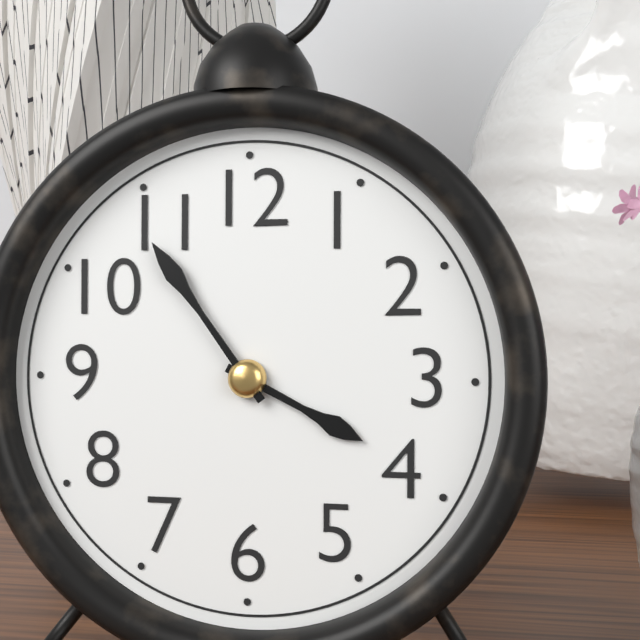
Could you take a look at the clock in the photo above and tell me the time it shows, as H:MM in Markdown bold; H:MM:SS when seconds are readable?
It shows **3:54**
